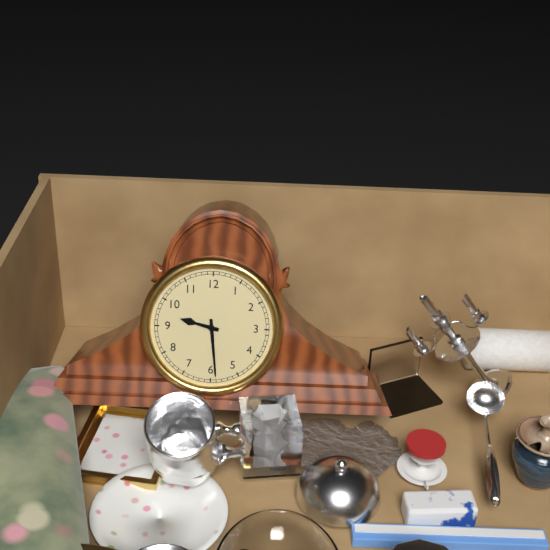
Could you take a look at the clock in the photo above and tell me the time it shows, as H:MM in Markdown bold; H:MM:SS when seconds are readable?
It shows **9:29**
